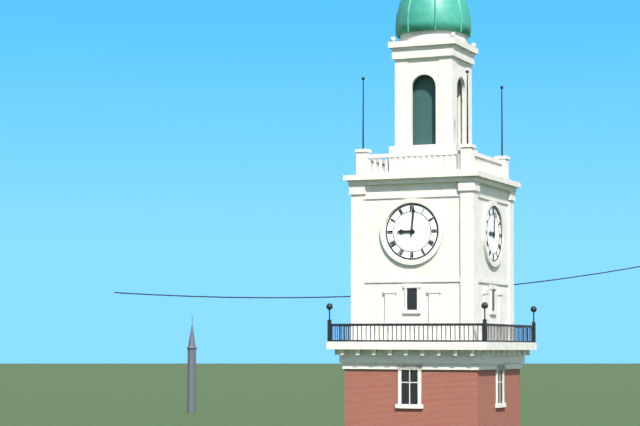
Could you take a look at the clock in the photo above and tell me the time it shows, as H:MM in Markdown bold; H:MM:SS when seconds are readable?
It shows **9:01**
